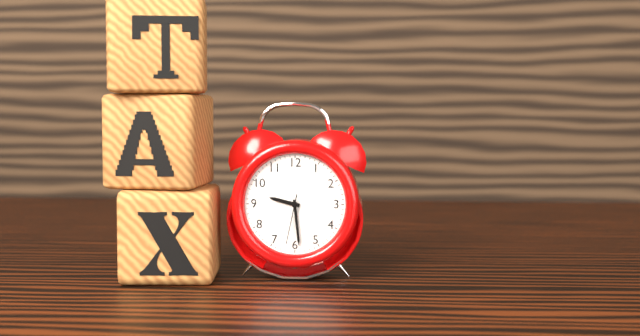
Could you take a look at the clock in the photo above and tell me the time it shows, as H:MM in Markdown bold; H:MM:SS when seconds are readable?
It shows **9:29:32**
